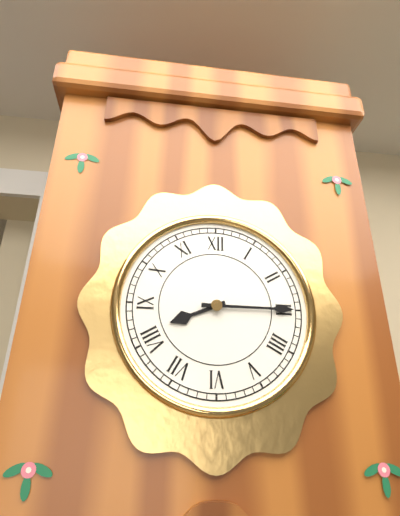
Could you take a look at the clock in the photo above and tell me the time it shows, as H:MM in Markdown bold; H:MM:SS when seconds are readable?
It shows **8:15**
